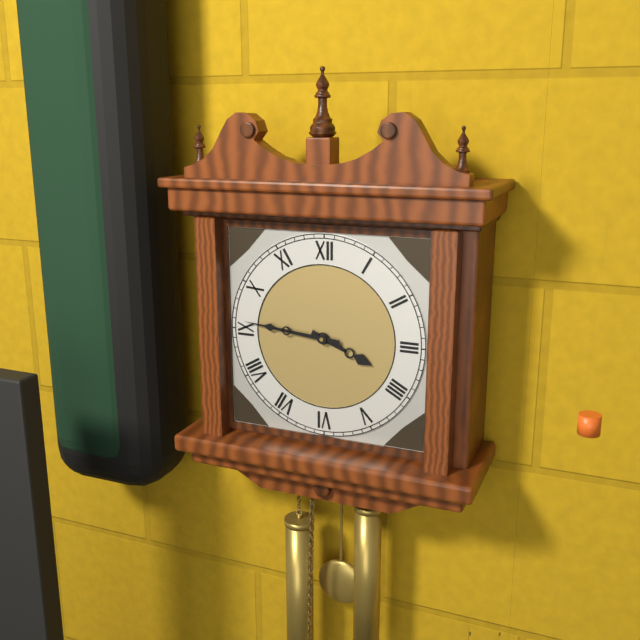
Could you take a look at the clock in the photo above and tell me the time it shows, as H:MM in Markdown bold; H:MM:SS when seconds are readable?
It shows **3:46**
